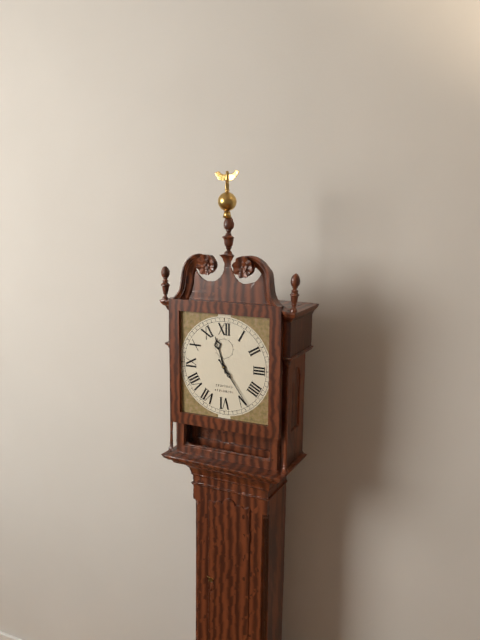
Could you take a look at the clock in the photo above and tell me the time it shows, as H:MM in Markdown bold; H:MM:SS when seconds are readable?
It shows **11:24**
